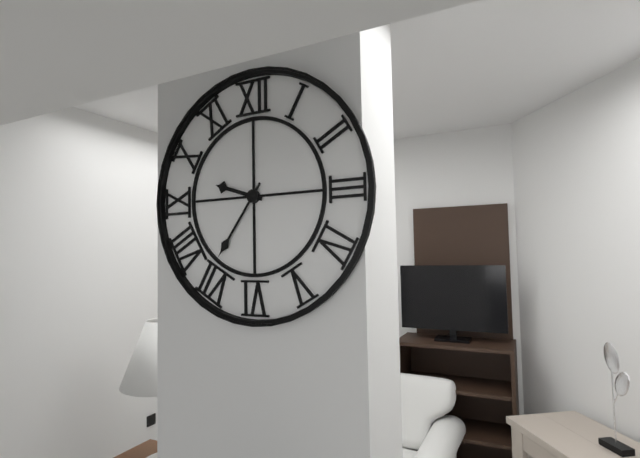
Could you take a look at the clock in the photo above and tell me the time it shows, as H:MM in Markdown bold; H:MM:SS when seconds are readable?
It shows **9:36**
